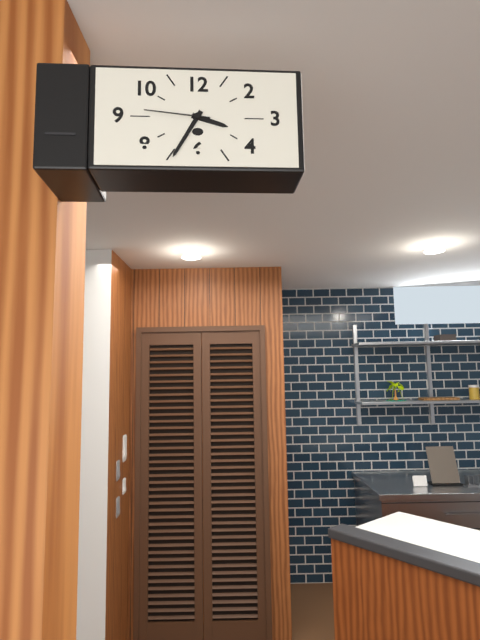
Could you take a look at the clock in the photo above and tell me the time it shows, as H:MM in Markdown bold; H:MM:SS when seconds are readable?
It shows **3:35:46**
